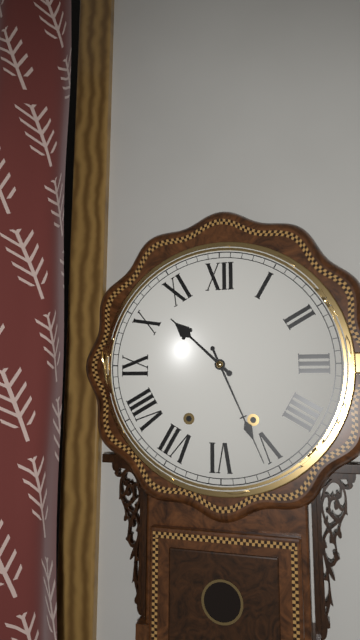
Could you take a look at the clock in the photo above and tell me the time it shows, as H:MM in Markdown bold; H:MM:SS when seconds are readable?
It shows **10:26**
